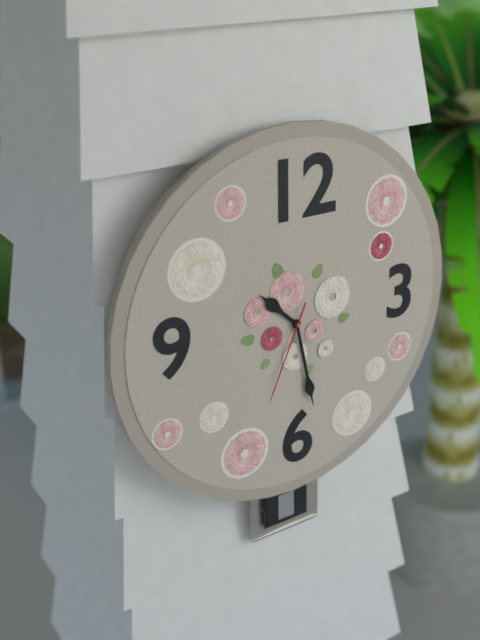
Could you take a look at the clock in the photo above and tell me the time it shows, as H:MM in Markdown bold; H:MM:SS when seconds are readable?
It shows **10:28:34**
